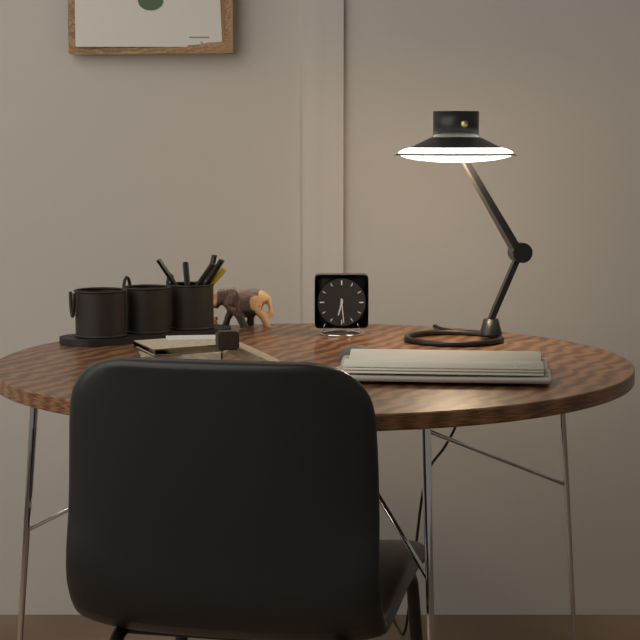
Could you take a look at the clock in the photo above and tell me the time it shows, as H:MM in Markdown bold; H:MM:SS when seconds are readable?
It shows **6:29**
